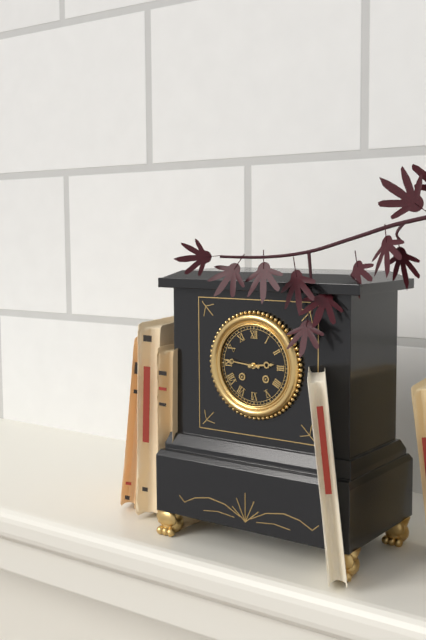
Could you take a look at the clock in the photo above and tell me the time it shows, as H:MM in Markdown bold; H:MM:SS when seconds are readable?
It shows **2:46**
